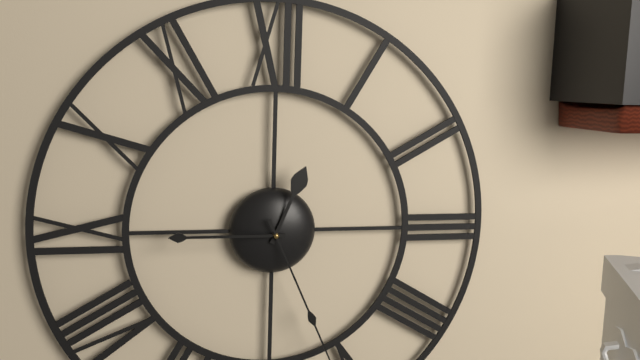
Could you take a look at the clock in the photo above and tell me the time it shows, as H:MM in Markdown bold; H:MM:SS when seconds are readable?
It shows **12:45**
